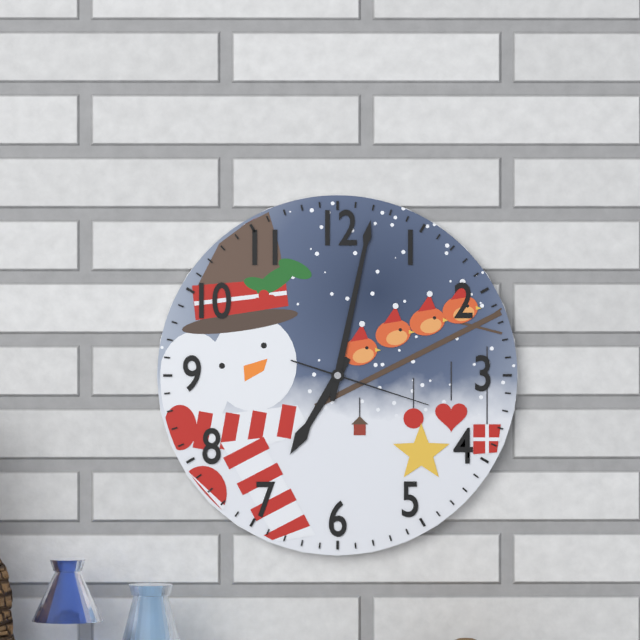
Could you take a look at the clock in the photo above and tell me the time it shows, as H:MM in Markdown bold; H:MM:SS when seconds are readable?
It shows **7:02:18**
